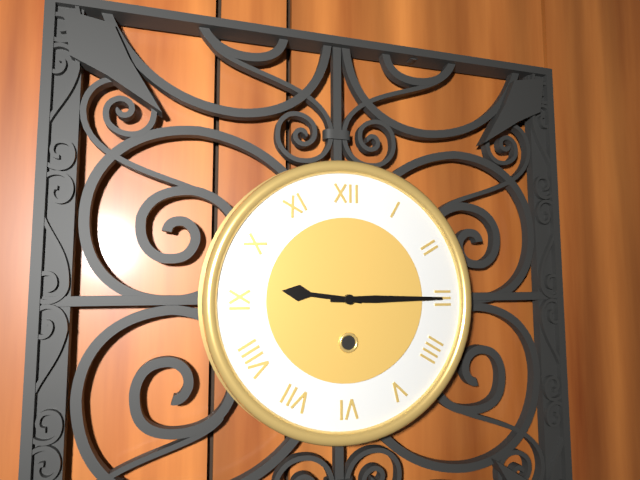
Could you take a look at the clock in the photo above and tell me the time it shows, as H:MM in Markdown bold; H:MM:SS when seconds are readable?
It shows **9:15**
